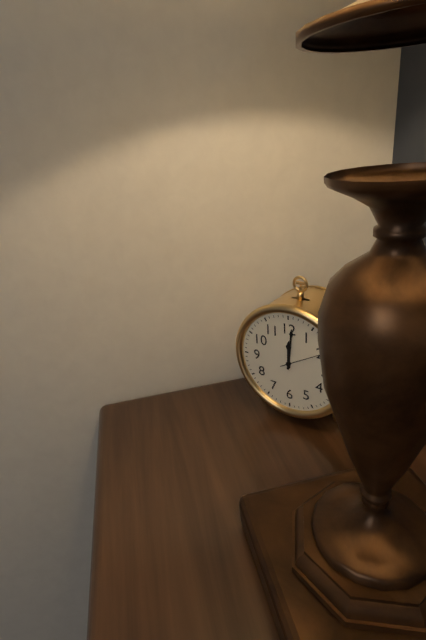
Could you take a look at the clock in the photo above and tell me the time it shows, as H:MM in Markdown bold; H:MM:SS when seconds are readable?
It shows **12:01**
